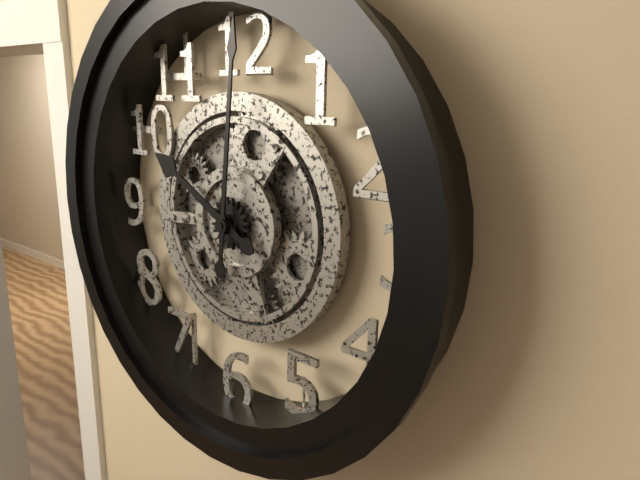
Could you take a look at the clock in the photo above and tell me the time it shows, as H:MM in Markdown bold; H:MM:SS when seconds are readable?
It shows **10:01**
